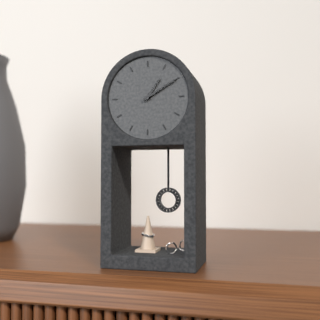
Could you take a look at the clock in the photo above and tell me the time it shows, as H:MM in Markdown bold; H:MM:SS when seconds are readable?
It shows **1:10**
